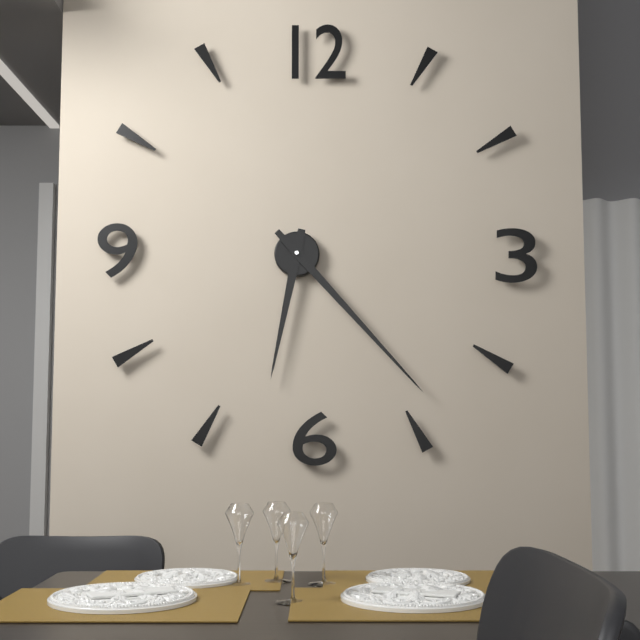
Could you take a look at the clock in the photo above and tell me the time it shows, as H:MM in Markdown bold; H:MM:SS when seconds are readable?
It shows **6:23**
